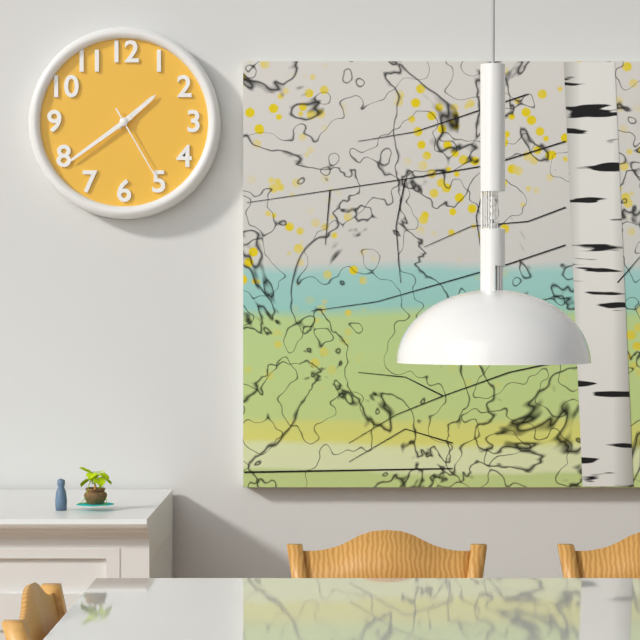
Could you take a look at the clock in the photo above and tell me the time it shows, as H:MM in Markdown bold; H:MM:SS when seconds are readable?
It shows **1:39:25**
